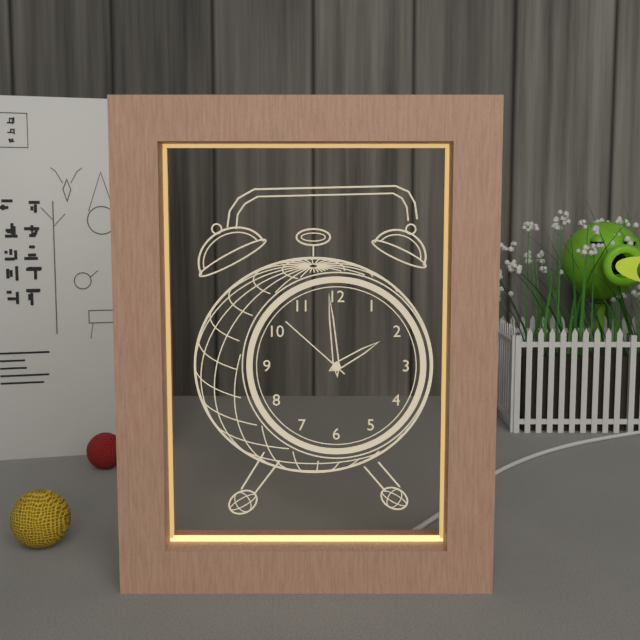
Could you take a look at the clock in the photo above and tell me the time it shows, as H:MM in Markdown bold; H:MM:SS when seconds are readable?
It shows **1:59:52**
